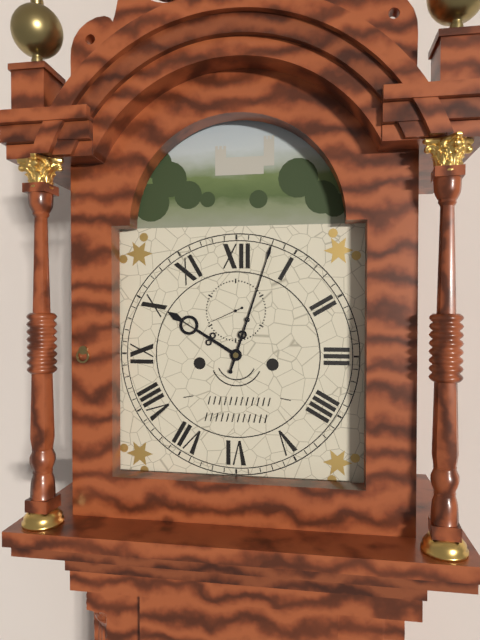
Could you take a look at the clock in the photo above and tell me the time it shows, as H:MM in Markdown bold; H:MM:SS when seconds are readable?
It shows **10:03**
